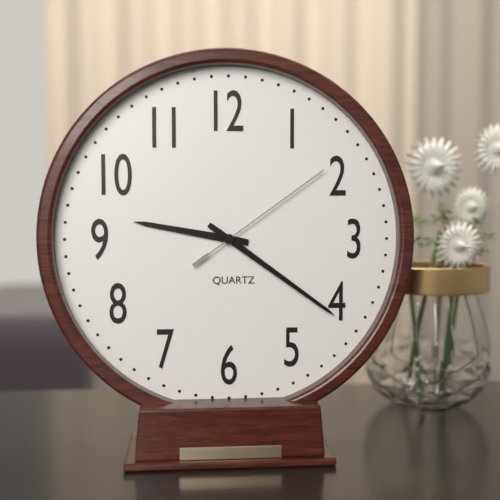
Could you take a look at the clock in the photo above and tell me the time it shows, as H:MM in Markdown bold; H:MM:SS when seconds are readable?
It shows **9:21:09**
